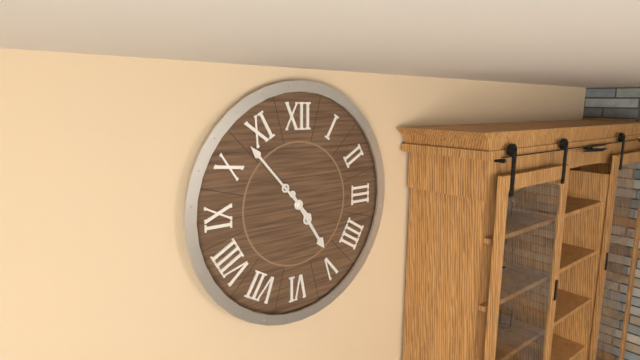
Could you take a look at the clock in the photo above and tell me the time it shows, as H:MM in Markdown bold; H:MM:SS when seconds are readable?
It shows **4:53**
